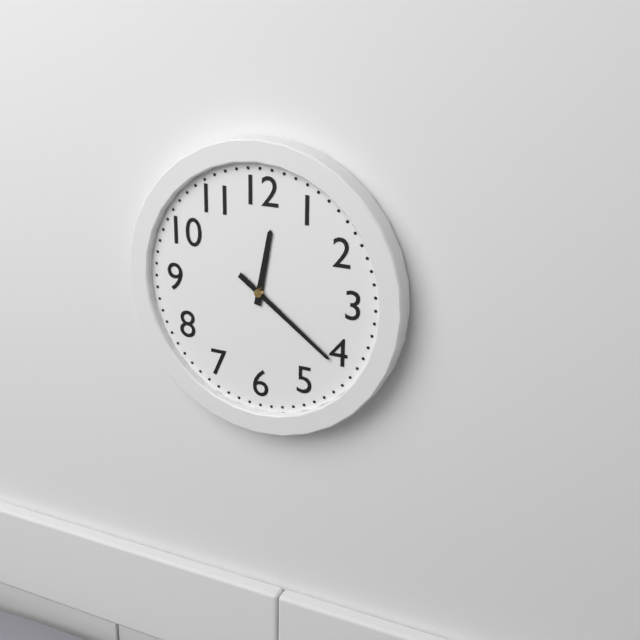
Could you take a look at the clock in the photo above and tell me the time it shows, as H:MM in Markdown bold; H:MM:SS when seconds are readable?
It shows **12:21**
